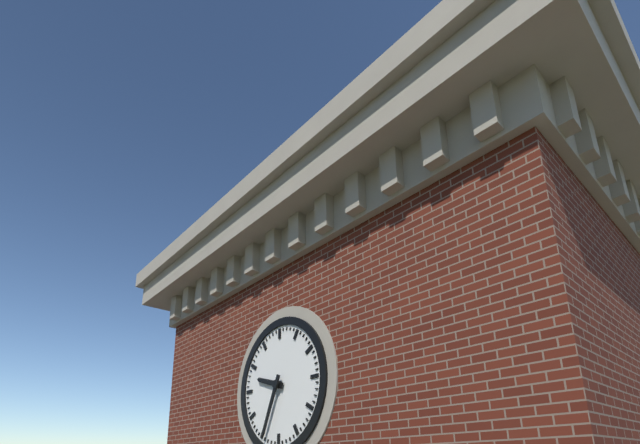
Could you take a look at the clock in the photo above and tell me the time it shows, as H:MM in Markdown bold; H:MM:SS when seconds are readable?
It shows **9:34**
